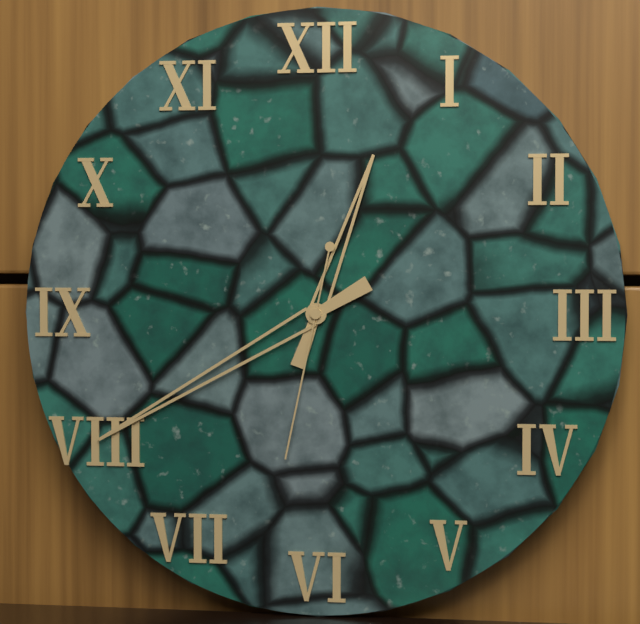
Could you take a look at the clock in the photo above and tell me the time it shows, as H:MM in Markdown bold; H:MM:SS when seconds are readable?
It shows **12:40:32**
